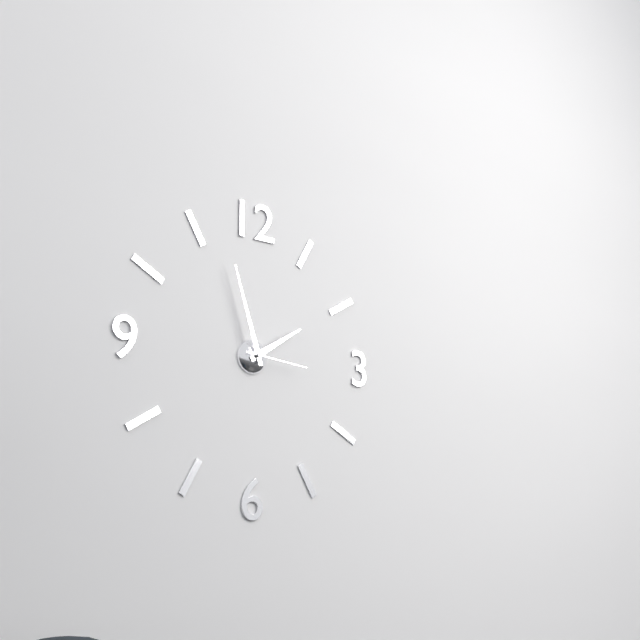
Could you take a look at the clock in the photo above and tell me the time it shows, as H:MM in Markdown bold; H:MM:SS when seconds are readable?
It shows **1:57:16**
